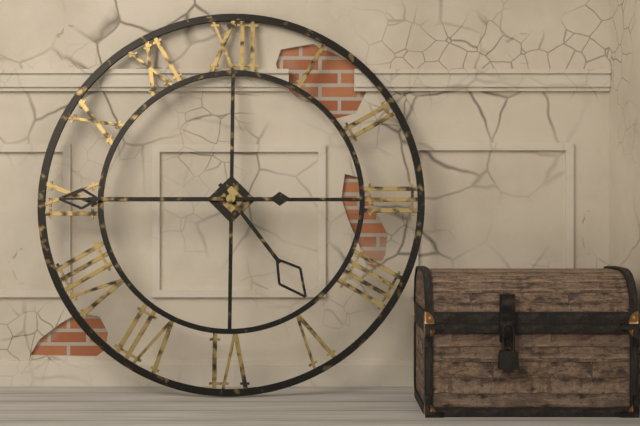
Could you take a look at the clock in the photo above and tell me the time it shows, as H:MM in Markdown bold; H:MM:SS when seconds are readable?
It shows **4:45**
